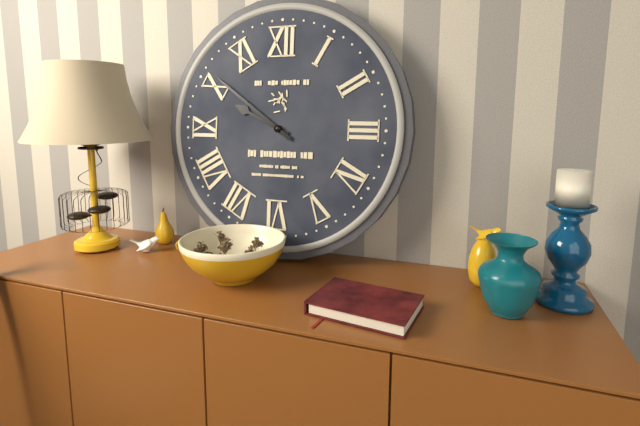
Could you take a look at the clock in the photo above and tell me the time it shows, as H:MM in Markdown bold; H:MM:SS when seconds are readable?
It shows **9:51**
